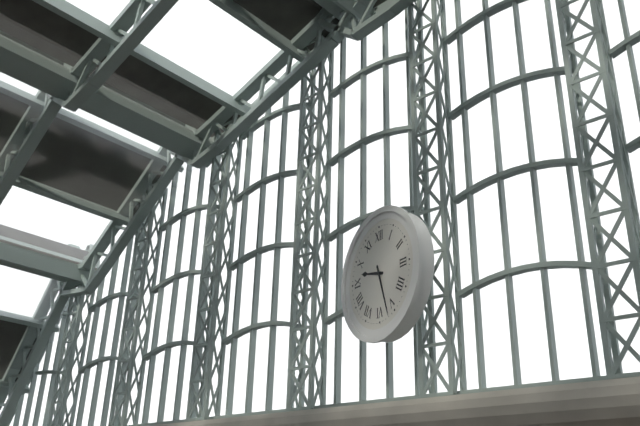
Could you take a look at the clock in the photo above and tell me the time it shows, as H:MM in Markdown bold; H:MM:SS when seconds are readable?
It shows **9:27**
